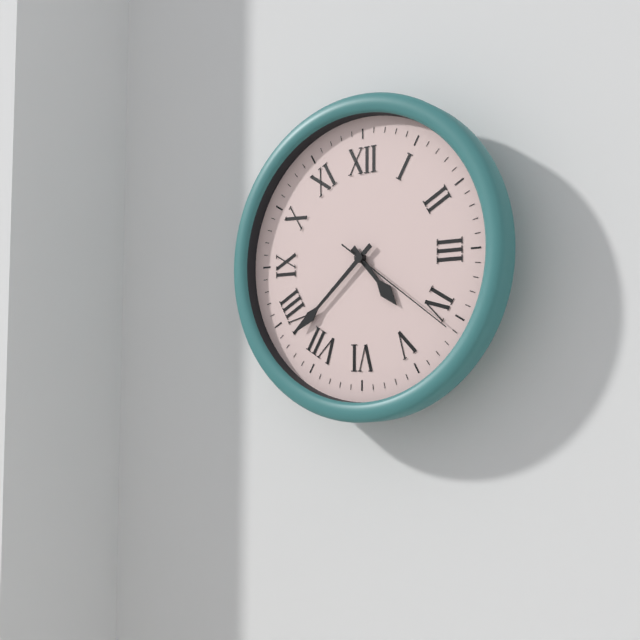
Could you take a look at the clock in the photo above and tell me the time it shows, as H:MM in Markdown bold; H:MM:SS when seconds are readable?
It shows **4:38:21**
